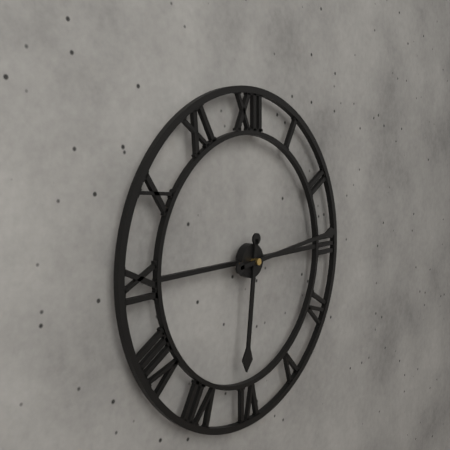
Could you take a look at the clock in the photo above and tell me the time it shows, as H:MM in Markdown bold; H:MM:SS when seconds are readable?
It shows **6:14**
